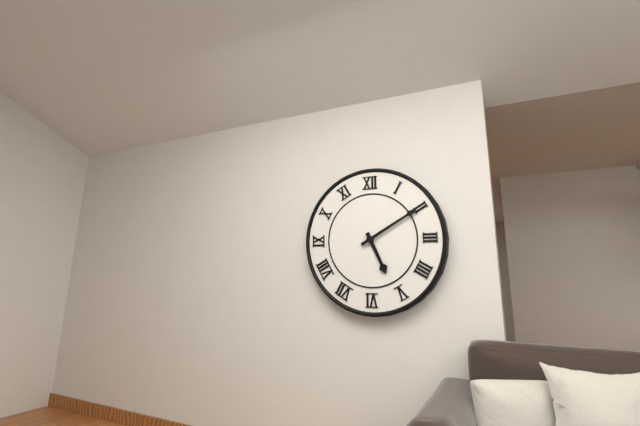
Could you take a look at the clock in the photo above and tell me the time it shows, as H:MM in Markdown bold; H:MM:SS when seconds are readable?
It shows **5:10**
